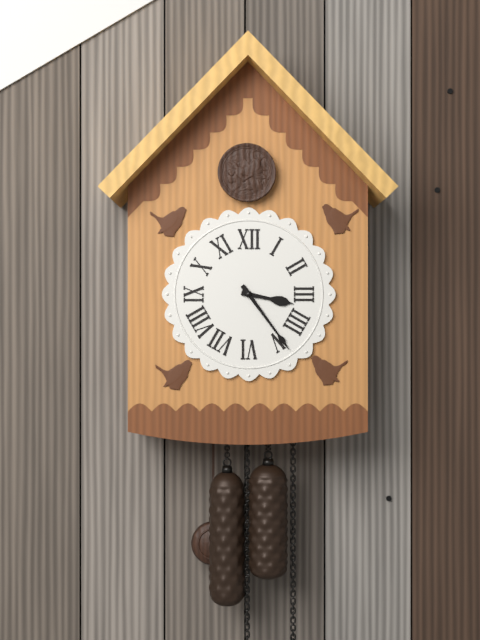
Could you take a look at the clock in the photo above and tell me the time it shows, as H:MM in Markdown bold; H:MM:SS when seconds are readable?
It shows **3:24**
